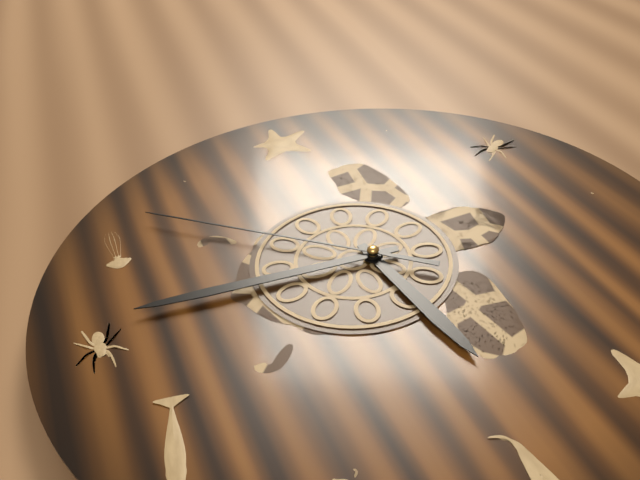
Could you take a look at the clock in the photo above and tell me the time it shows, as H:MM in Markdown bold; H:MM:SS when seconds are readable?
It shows **5:46:52**
